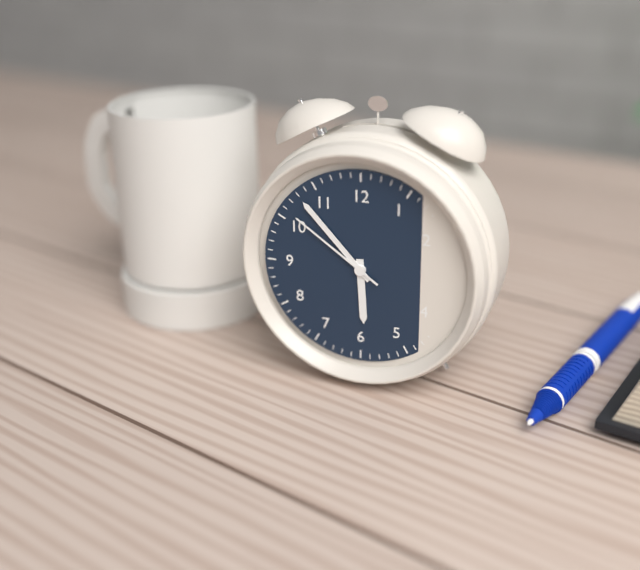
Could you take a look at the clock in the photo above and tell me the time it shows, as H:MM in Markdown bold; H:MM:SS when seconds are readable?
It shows **5:53:51**
